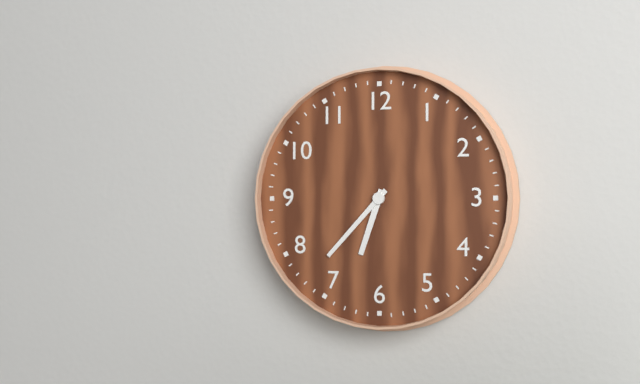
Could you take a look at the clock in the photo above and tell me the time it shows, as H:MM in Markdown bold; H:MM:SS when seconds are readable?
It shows **6:37**
